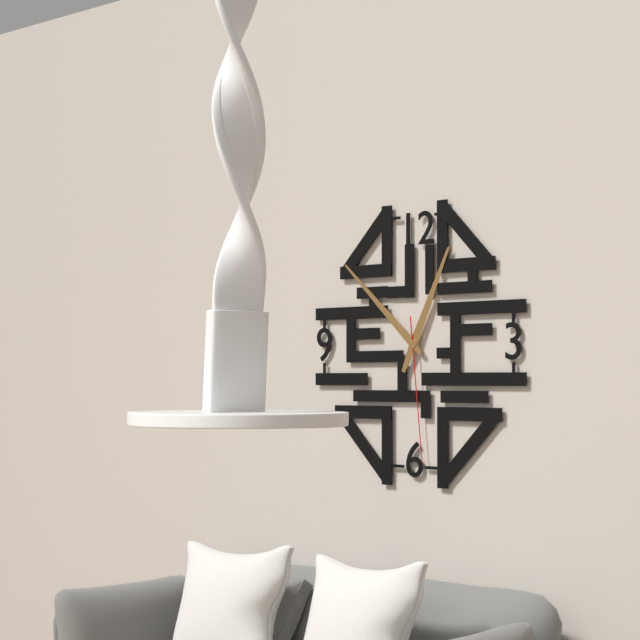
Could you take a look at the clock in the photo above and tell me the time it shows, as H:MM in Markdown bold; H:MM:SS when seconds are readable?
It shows **12:52:29**
